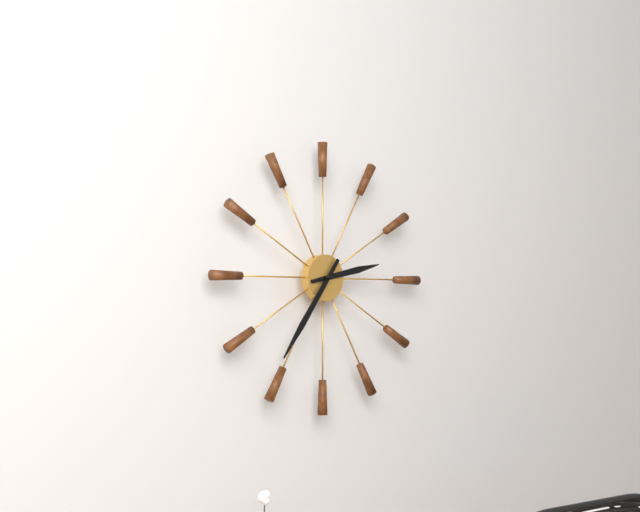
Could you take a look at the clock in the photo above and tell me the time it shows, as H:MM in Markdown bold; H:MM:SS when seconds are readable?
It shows **2:36**
